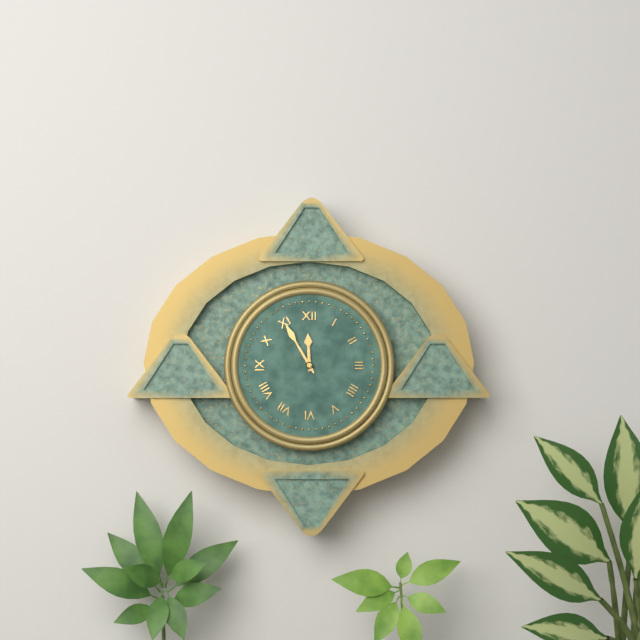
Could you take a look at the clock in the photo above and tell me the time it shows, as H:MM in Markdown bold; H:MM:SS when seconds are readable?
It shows **11:55**
